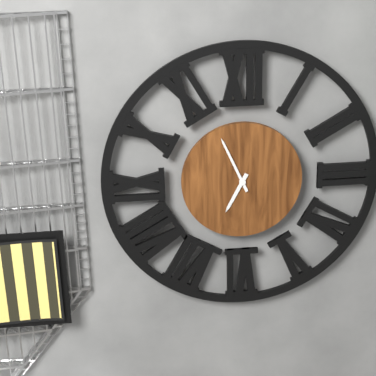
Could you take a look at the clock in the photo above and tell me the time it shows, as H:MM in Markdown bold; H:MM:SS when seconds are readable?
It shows **6:56**
